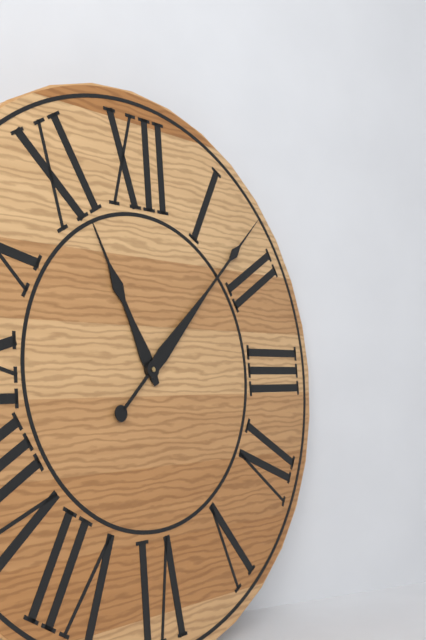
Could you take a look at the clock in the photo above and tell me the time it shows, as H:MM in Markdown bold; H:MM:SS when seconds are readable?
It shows **11:08**
